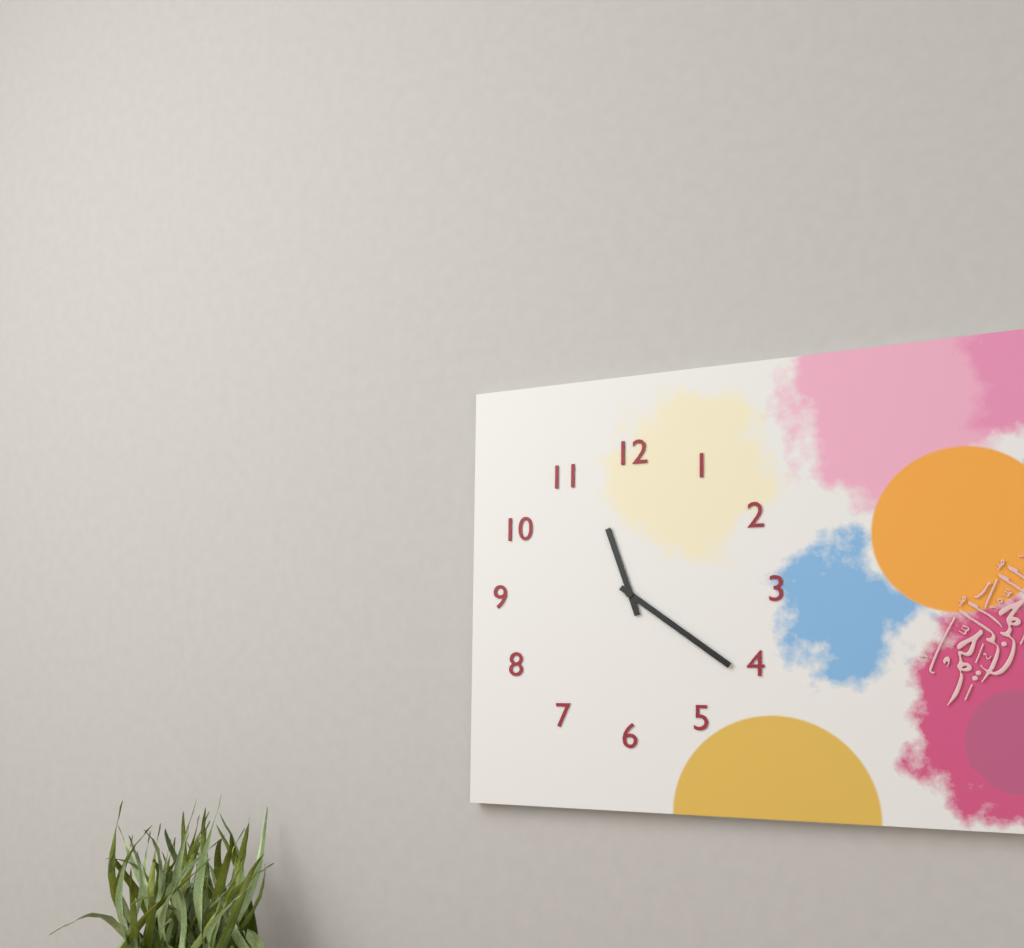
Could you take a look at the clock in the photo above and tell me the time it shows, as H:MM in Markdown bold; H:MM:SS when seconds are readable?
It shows **11:21**
